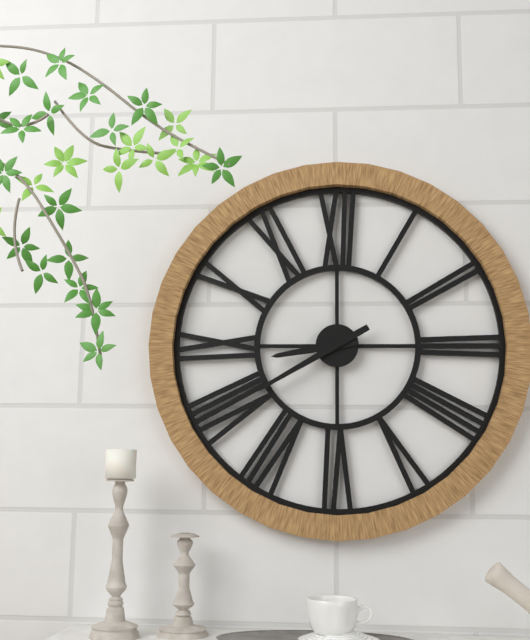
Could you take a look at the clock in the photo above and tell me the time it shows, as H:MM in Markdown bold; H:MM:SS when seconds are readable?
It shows **8:40**
